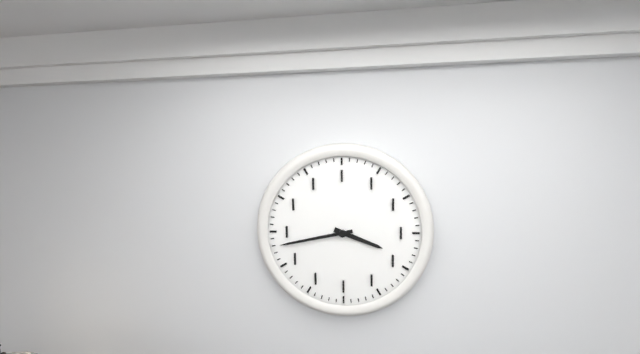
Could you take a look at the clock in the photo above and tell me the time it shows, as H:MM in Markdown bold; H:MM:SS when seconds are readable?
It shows **3:43**
